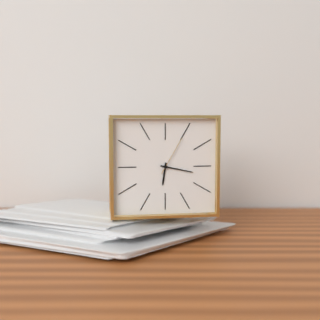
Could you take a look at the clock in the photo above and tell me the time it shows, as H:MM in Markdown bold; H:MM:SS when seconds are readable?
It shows **6:17**
